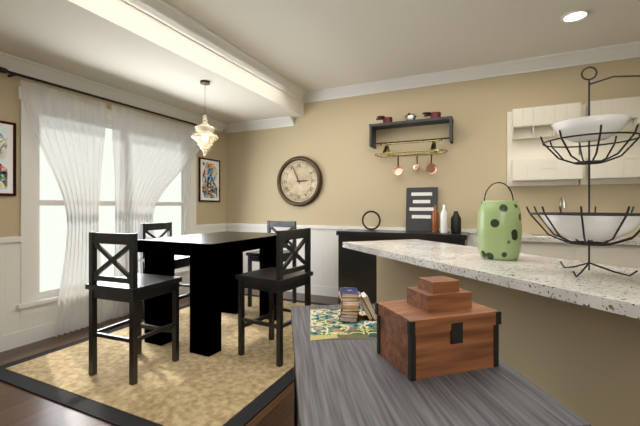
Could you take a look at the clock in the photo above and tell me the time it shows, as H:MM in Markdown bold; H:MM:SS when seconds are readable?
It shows **2:56**
